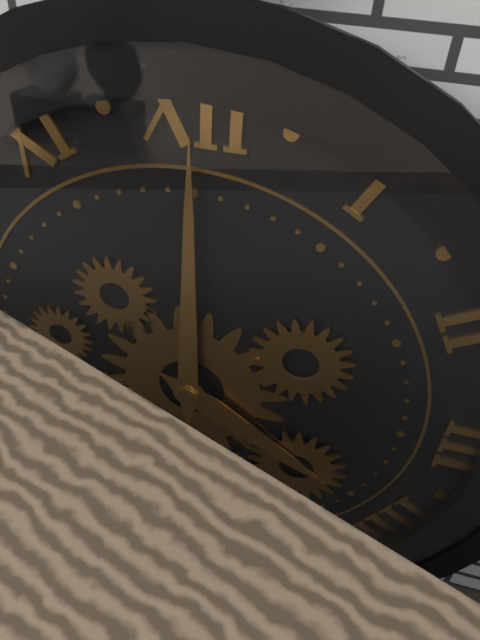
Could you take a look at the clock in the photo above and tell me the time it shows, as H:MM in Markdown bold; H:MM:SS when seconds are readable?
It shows **4:00**
